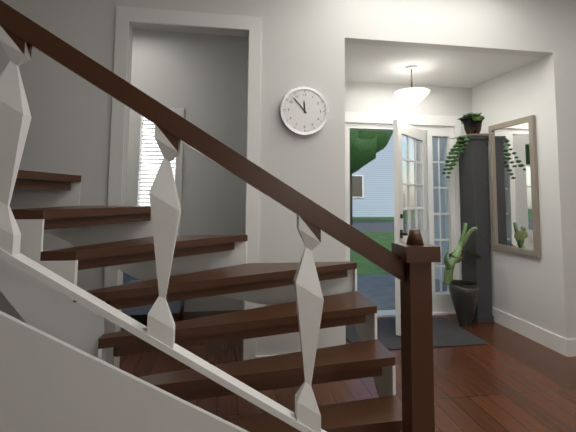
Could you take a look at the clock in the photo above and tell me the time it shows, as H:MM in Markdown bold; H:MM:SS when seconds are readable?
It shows **11:53**
